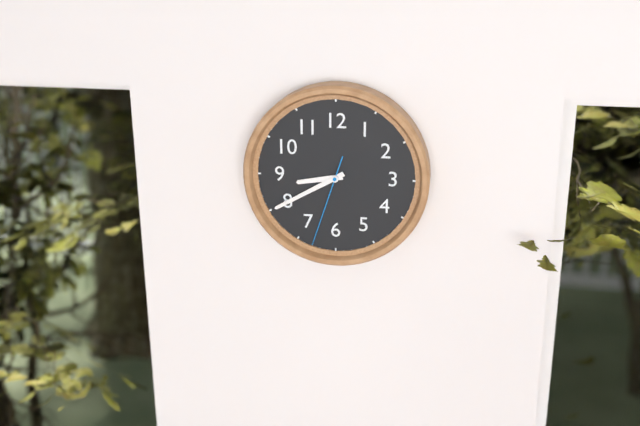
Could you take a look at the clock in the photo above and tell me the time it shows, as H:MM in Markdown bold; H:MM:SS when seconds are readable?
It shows **8:40:33**
